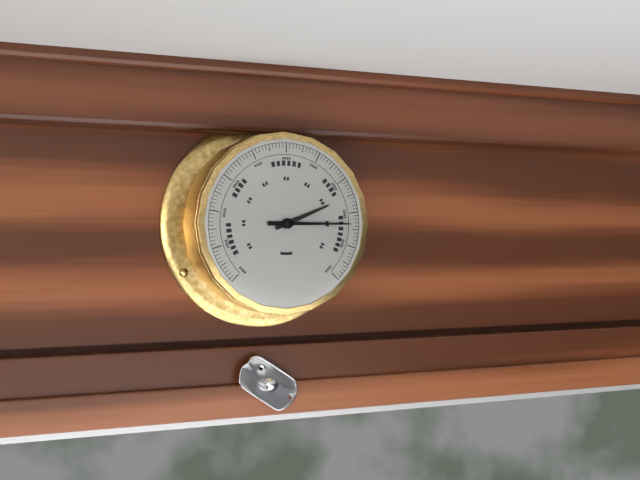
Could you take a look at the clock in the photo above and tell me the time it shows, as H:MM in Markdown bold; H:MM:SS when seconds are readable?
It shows **2:15**
